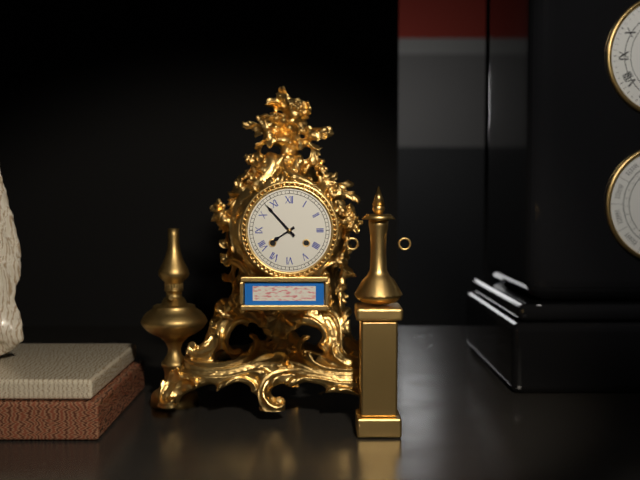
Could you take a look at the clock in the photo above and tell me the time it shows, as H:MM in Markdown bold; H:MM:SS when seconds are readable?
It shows **7:53**
